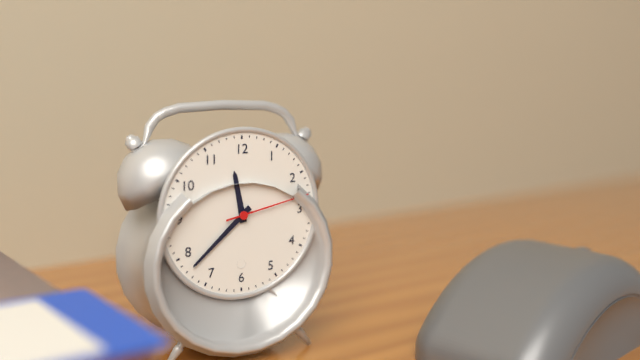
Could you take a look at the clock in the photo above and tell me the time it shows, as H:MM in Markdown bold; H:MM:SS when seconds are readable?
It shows **11:38:13**
